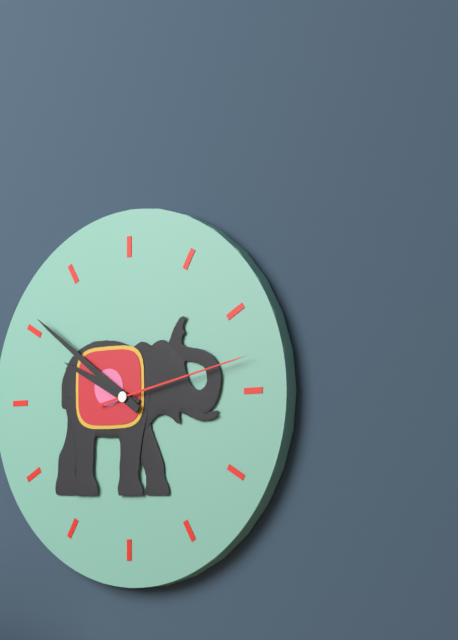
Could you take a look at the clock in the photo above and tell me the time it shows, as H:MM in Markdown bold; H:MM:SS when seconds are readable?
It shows **9:51:13**
